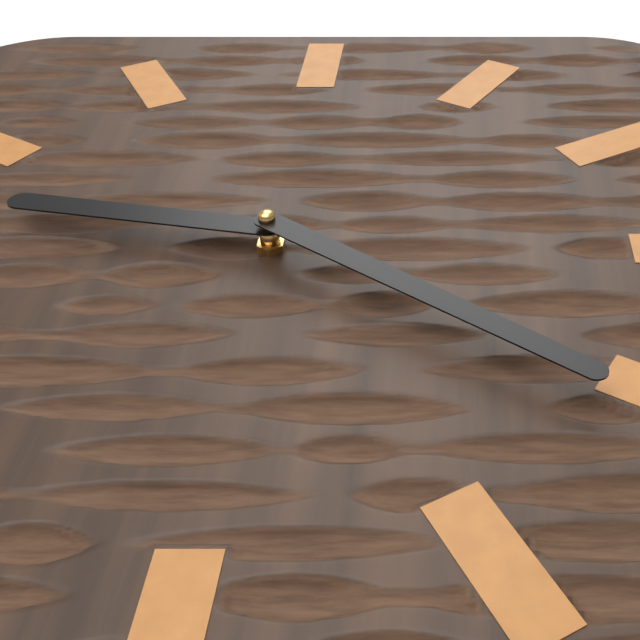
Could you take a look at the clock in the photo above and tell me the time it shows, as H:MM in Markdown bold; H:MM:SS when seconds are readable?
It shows **9:21**
